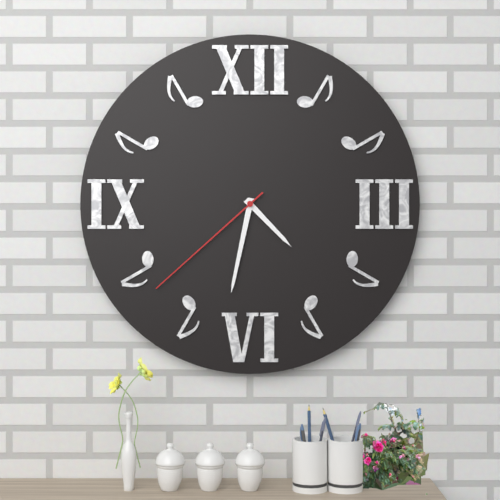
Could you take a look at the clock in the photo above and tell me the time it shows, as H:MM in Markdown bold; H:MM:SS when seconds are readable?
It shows **4:32:38**
